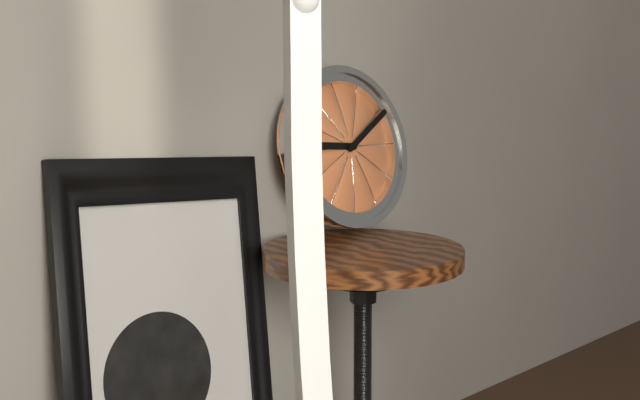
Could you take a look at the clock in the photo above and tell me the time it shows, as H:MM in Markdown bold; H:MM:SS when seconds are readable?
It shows **9:10**
